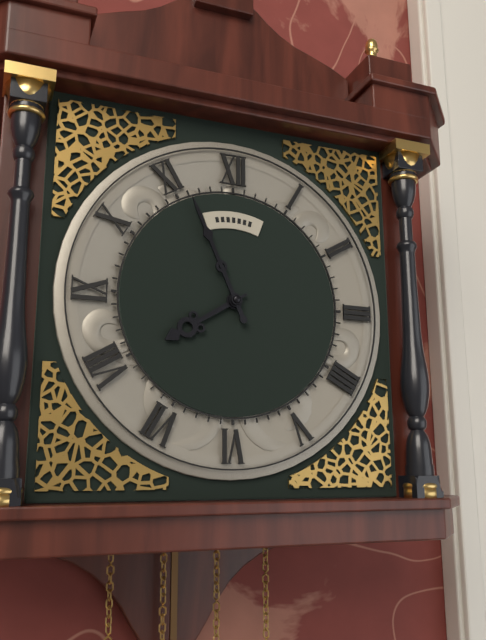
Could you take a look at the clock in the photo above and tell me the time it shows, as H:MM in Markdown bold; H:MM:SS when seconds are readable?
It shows **7:56**
